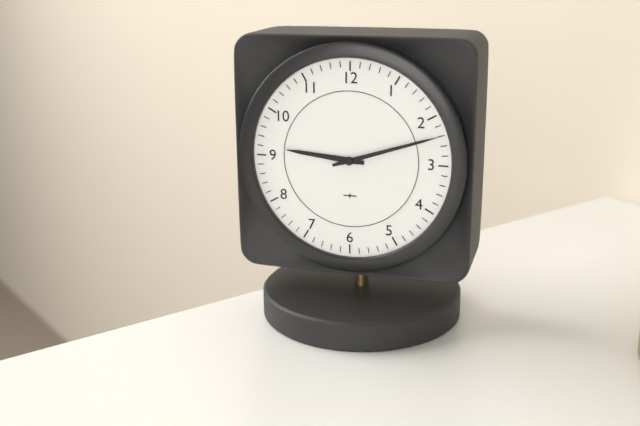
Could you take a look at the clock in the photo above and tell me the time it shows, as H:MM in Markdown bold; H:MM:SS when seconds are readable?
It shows **9:12**
